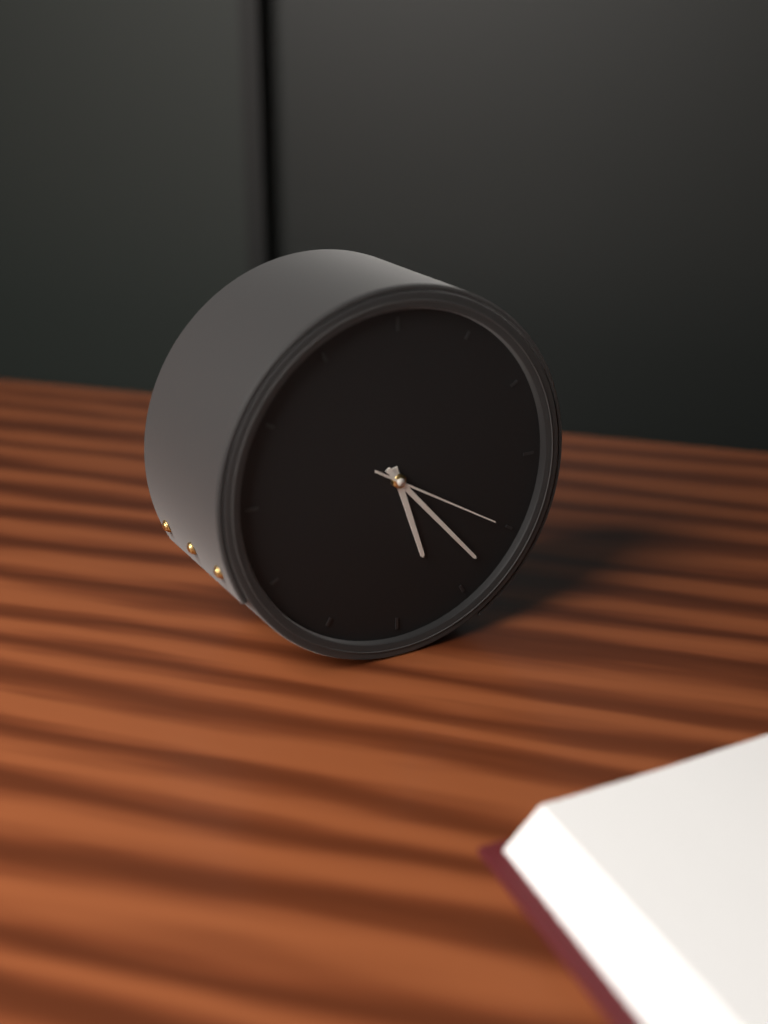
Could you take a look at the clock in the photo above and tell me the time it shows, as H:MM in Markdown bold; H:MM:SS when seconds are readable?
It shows **5:23:20**
